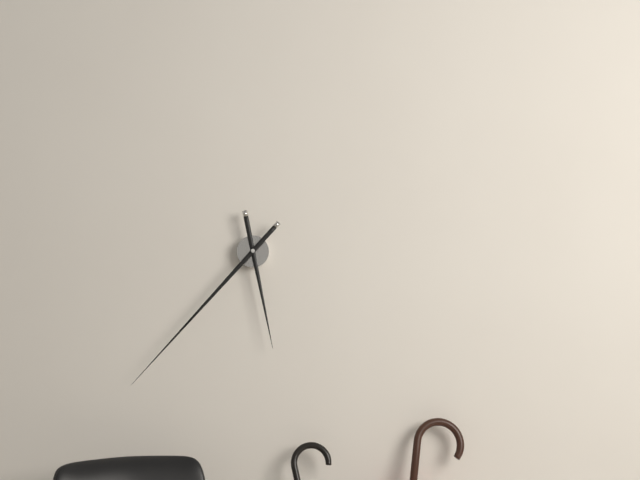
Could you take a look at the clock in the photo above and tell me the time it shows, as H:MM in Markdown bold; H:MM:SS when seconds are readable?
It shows **5:37**
